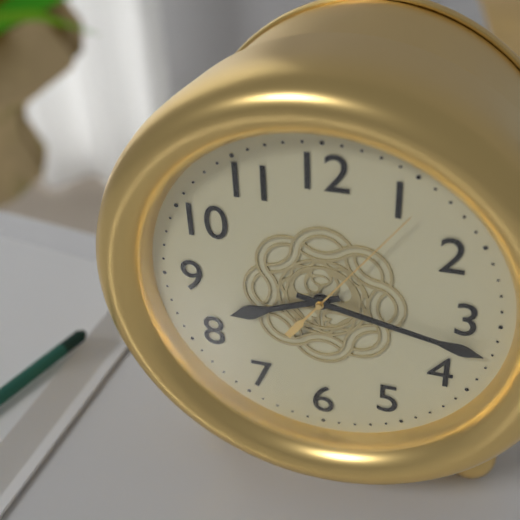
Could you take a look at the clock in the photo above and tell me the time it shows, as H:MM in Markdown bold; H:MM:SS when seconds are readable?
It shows **8:17:06**
